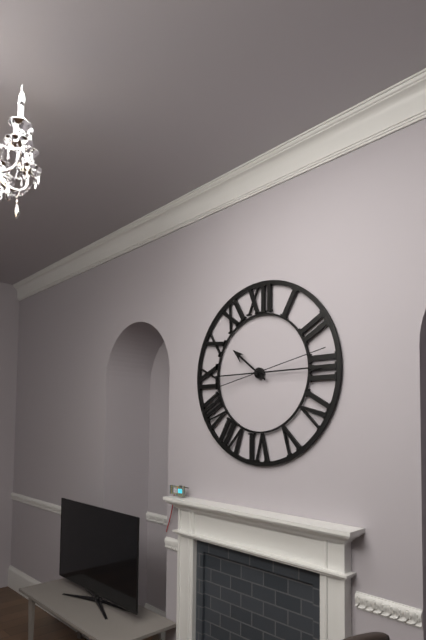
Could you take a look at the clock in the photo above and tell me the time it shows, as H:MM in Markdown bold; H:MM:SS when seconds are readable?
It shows **10:15:13**
